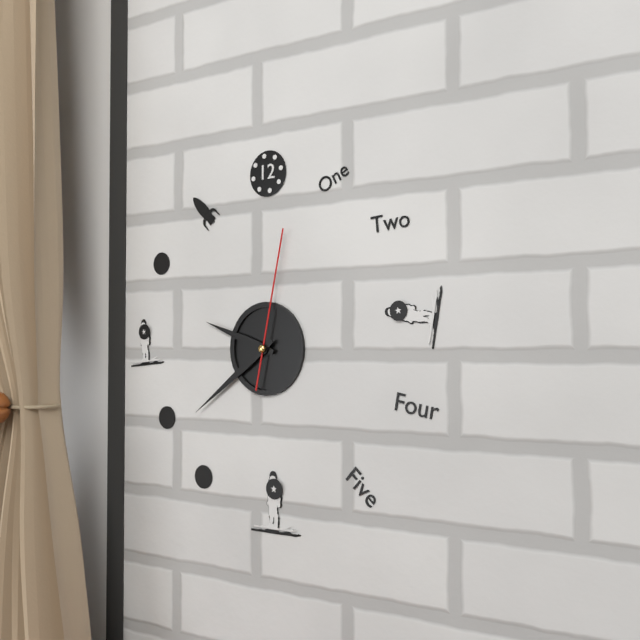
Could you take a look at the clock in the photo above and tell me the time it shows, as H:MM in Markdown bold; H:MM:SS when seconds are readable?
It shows **9:39:02**
